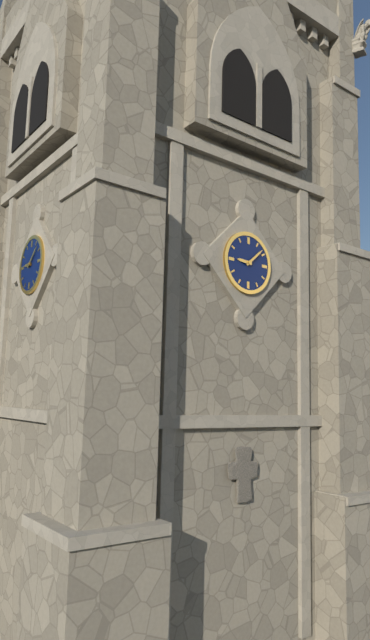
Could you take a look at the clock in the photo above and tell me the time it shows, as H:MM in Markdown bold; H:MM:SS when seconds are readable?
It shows **9:08**
